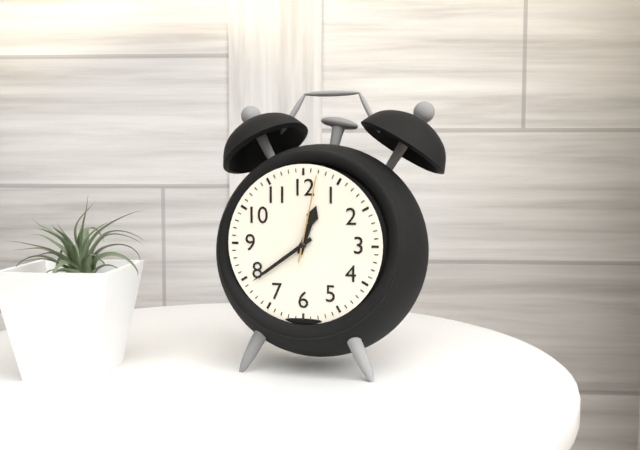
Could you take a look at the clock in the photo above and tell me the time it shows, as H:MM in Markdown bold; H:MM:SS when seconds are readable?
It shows **12:39:02**
